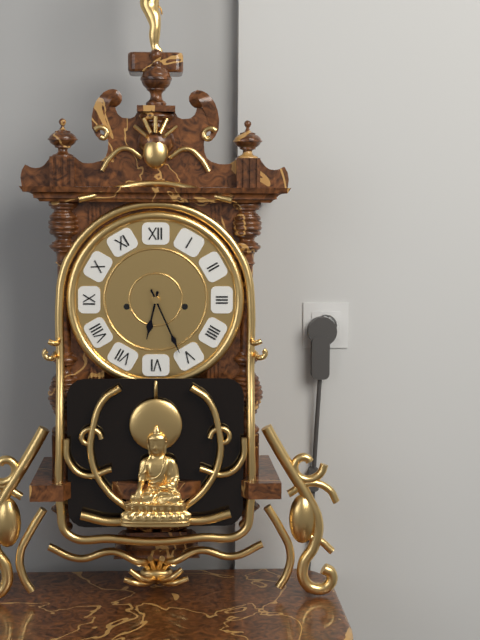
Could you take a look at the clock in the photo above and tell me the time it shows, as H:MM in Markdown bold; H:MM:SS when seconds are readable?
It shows **6:26**
